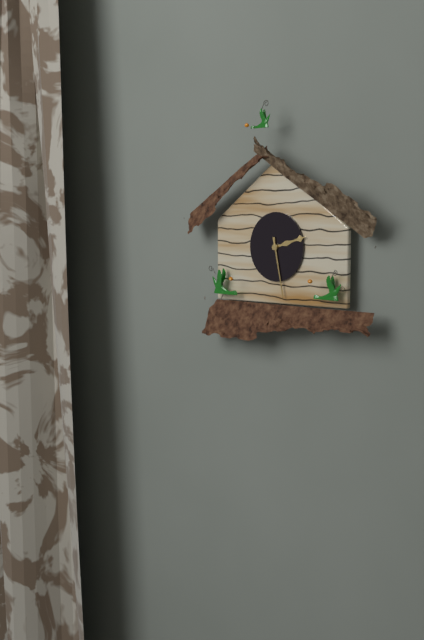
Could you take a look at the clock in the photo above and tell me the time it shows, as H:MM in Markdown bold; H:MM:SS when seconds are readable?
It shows **2:28**
